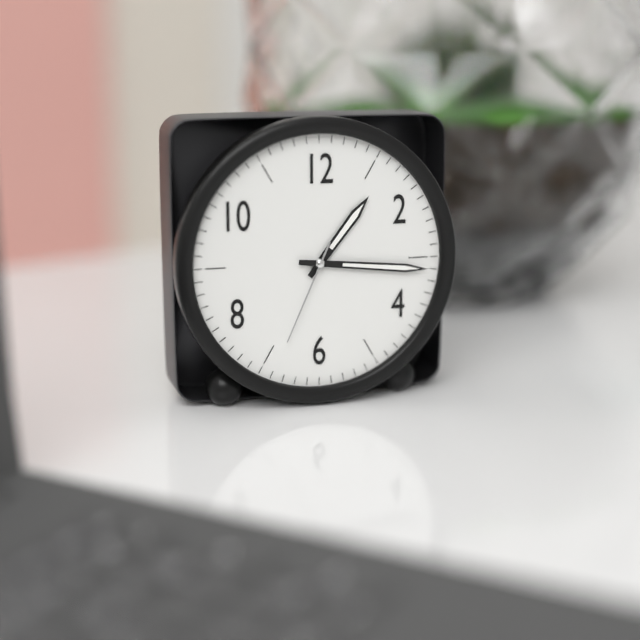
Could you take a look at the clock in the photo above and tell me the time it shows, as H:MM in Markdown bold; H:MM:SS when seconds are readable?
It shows **1:16:34**
